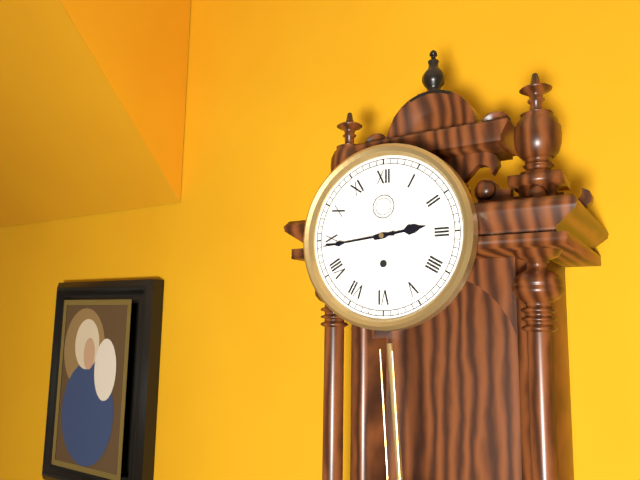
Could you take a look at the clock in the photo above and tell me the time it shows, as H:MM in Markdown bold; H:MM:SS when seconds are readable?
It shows **2:44**
